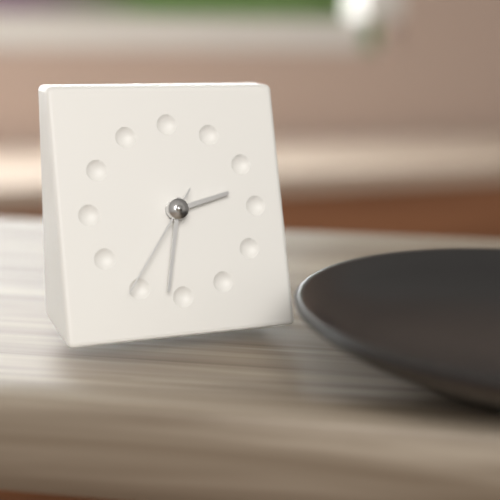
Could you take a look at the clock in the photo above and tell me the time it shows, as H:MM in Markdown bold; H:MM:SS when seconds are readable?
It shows **2:32:36**
